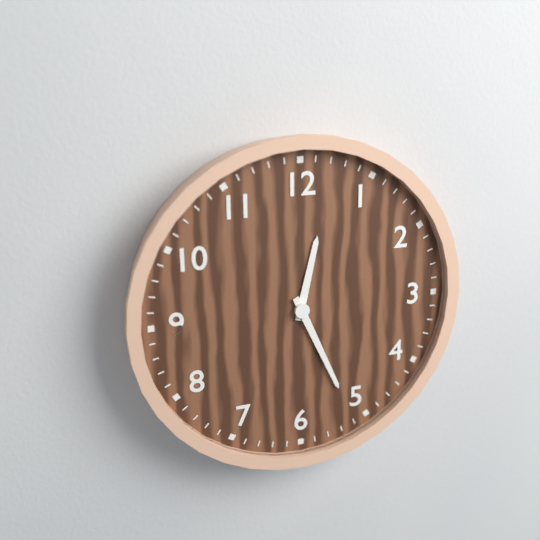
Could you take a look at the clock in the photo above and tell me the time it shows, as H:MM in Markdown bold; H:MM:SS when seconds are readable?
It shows **12:26**
